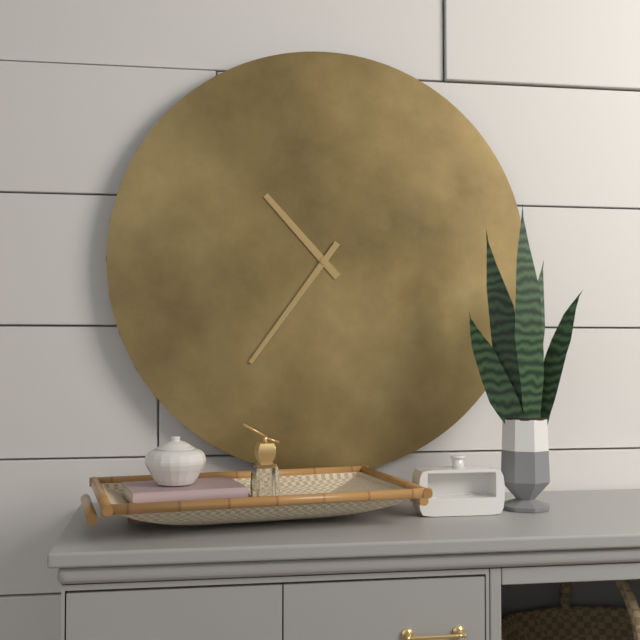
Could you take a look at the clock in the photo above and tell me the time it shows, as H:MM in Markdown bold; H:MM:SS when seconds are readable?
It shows **10:36**
